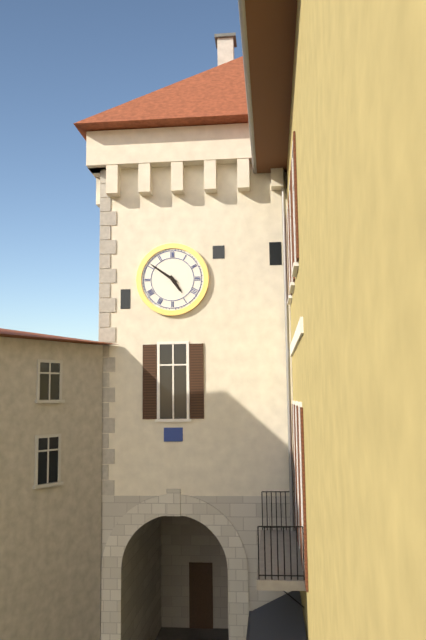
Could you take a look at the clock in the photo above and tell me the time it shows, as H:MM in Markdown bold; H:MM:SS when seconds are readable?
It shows **4:51**
